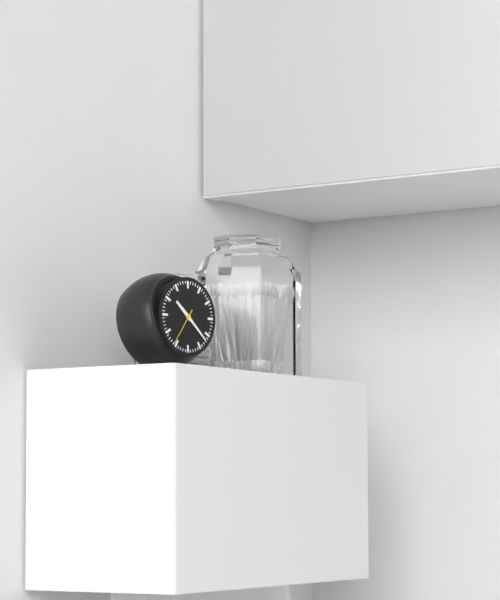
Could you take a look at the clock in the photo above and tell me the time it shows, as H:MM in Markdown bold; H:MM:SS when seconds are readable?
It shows **10:22**
